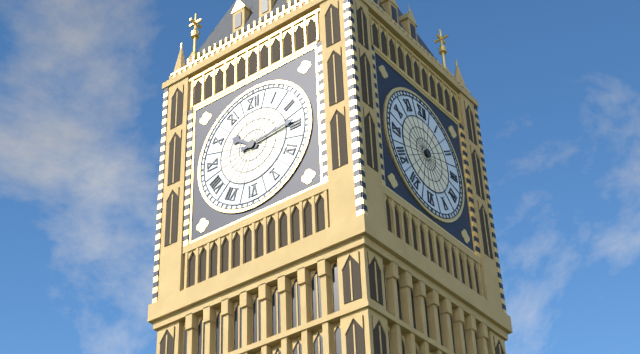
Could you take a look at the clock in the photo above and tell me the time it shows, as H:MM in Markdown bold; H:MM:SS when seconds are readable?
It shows **10:14**
